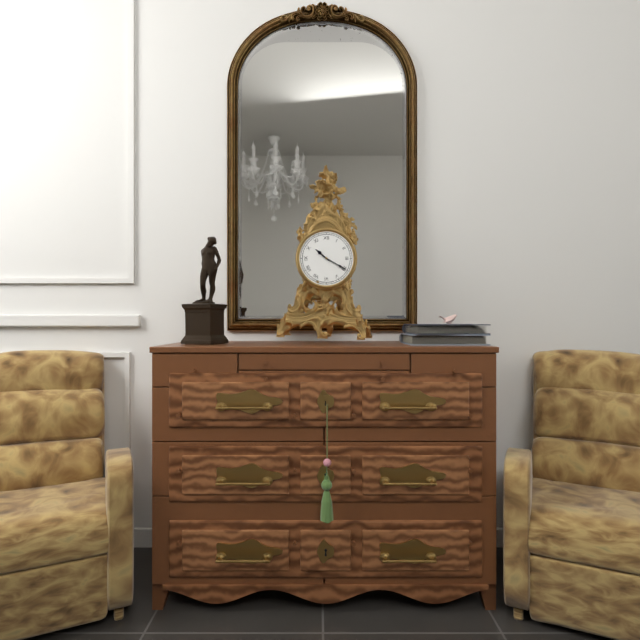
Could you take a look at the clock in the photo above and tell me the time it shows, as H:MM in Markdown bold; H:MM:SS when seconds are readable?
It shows **10:20**
